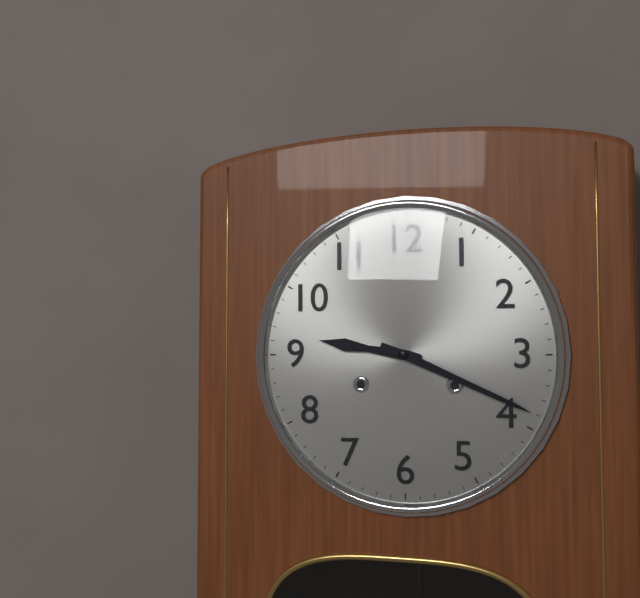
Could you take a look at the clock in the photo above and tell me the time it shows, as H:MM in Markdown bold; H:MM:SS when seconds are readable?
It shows **9:19**
